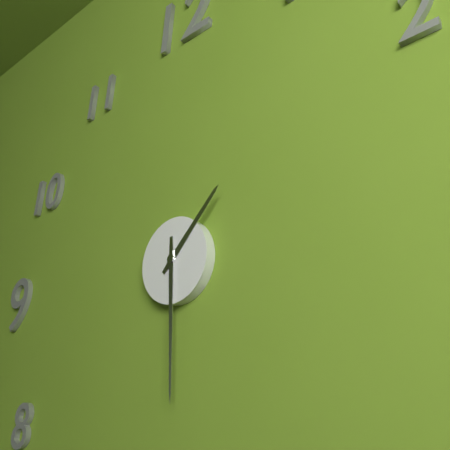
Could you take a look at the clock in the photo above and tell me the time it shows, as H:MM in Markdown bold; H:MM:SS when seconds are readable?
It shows **1:30**
